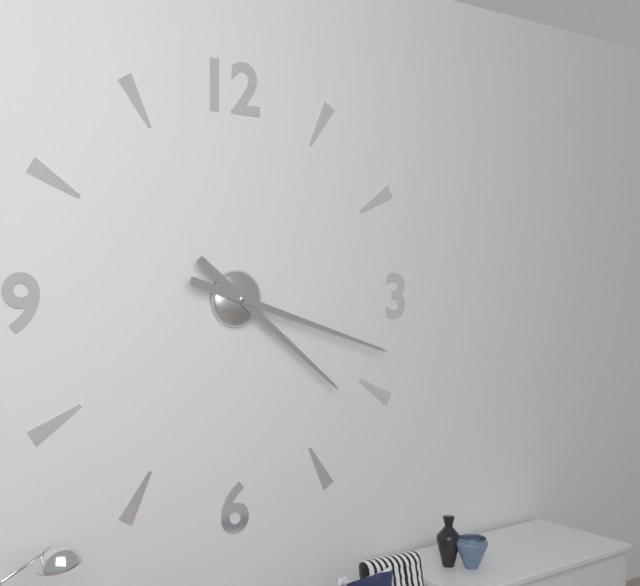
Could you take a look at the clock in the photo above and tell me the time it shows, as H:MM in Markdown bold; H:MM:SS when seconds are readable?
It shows **4:18**
